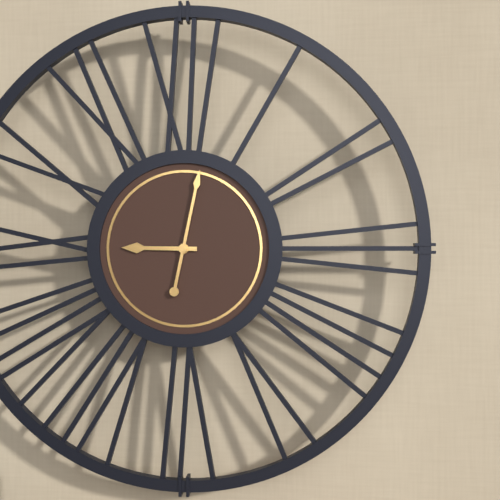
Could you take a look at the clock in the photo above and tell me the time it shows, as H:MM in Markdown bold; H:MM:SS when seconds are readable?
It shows **9:02**
